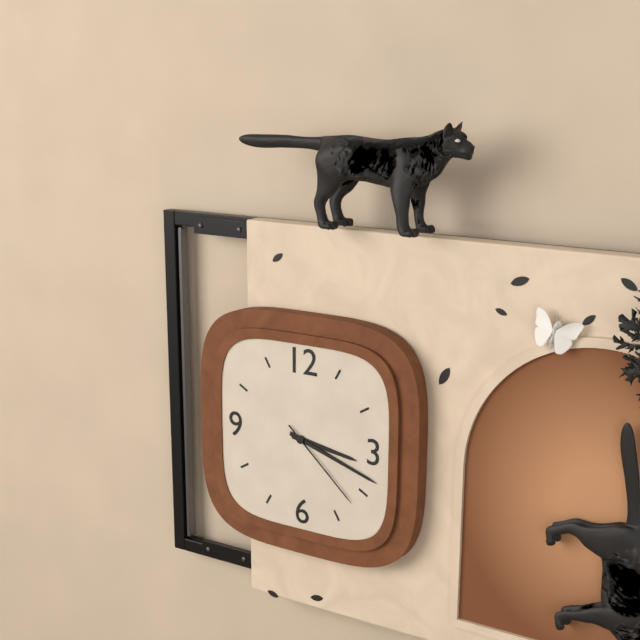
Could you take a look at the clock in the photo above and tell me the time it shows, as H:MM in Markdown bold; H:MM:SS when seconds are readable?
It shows **3:18:22**
